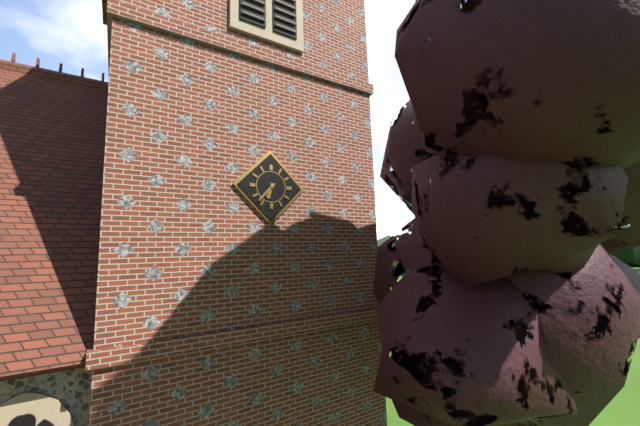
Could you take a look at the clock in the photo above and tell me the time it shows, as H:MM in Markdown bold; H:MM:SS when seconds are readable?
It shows **6:37**
